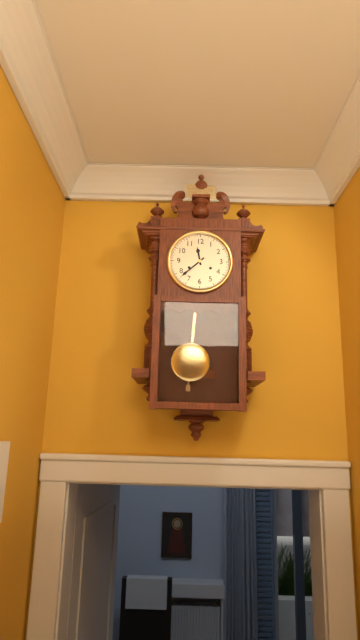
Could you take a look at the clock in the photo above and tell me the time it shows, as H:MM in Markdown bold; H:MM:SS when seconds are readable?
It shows **11:38**
